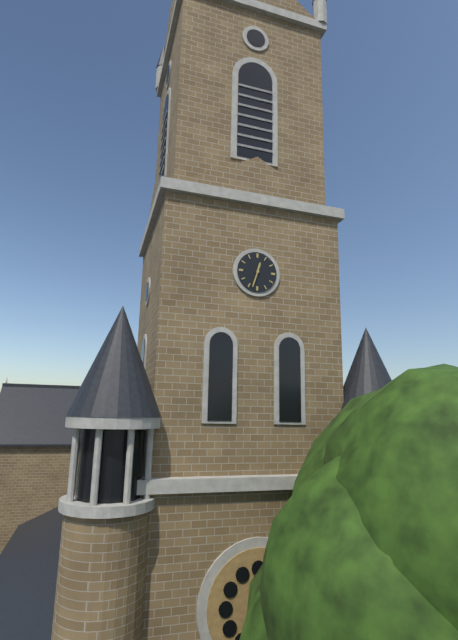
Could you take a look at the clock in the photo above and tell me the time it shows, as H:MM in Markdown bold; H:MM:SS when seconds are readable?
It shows **12:33**
